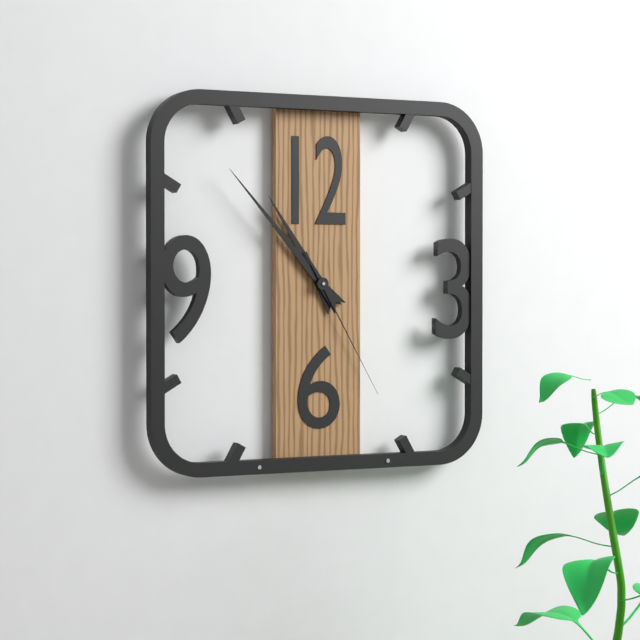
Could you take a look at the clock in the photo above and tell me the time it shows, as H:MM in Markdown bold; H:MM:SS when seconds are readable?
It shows **10:53:25**
